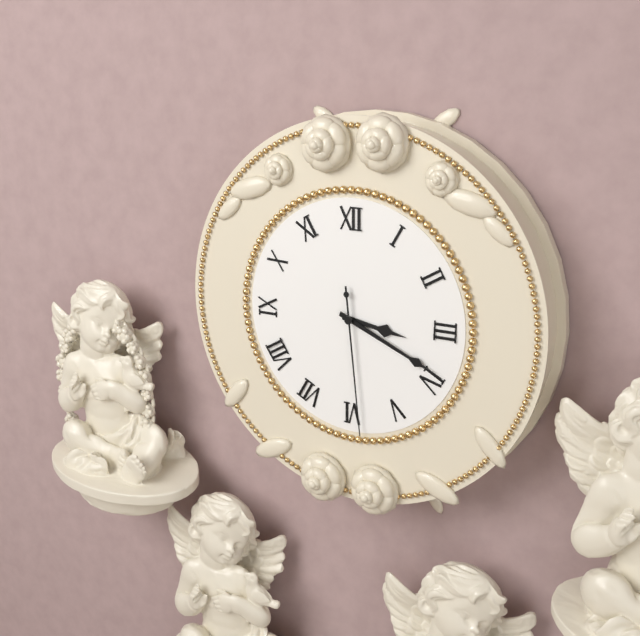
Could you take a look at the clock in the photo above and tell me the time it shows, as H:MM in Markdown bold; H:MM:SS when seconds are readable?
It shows **3:19:29**
